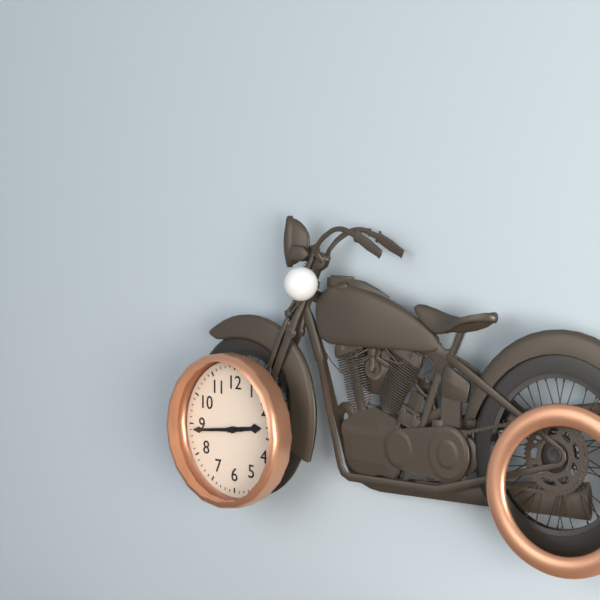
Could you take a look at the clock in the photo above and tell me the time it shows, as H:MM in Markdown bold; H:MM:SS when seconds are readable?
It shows **2:44**
